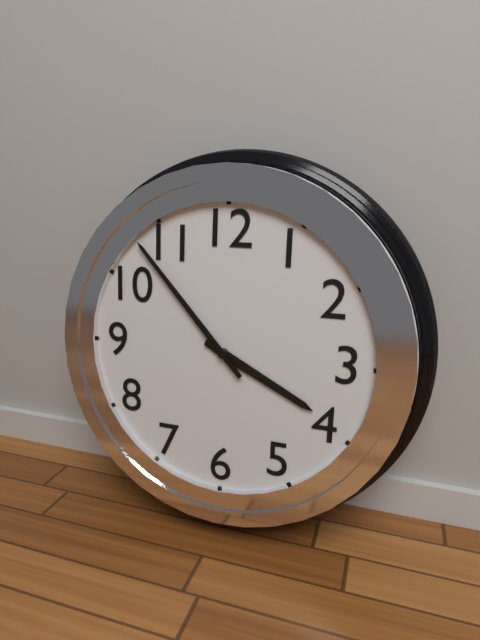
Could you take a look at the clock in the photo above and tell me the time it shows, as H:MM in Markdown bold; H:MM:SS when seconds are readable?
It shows **3:53**
